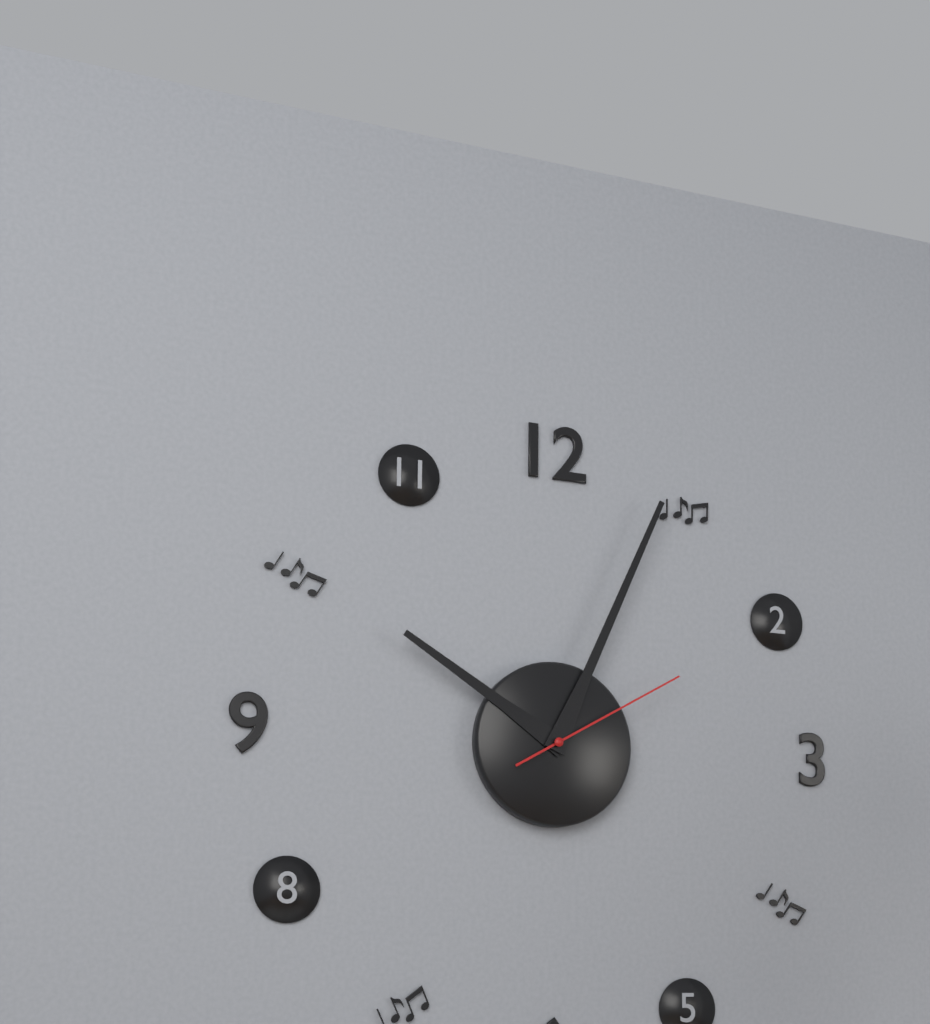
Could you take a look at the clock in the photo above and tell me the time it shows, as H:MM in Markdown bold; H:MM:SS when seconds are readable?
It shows **10:04:10**
